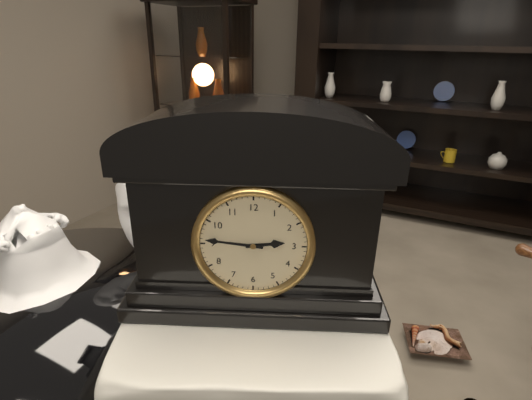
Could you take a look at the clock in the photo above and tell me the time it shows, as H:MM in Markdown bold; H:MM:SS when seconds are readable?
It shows **2:46**
